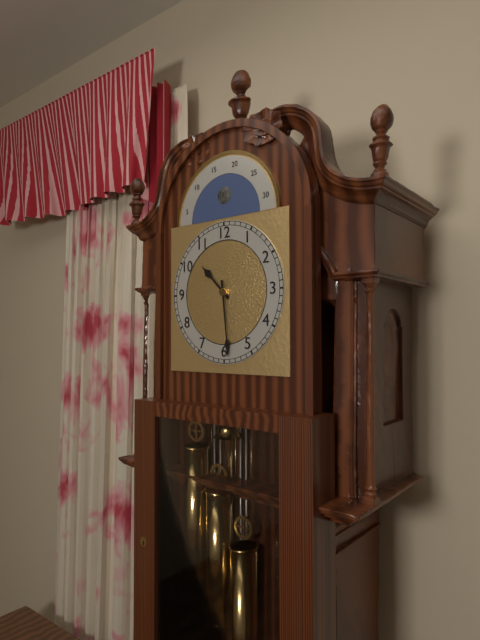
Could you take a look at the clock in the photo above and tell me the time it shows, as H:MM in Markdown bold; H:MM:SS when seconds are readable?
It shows **10:29**
